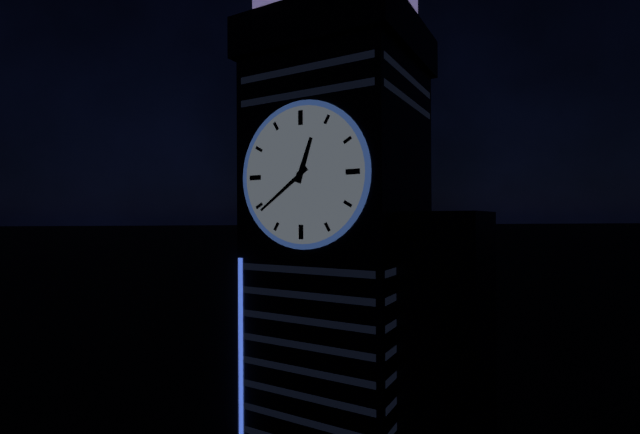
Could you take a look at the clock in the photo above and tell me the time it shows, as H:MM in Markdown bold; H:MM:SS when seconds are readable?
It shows **12:39**
